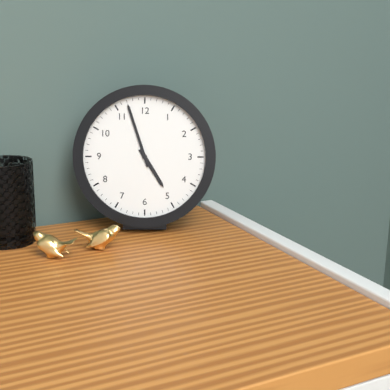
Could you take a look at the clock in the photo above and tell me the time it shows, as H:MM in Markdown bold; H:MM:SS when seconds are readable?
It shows **4:57**
